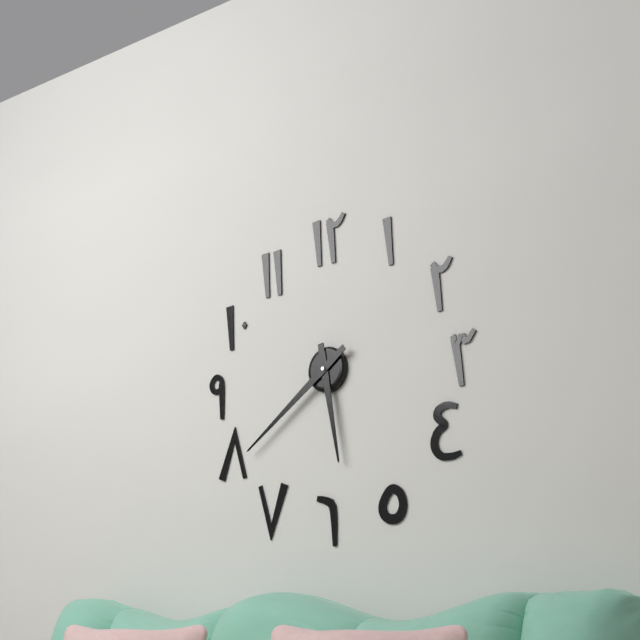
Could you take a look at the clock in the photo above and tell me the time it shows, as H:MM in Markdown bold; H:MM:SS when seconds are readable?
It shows **5:39**
